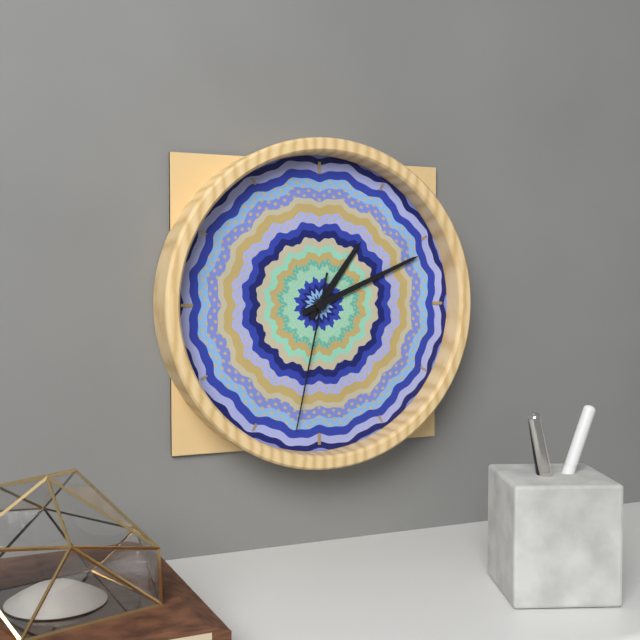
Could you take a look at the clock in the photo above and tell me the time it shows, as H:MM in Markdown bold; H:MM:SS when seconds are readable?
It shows **1:11:32**
